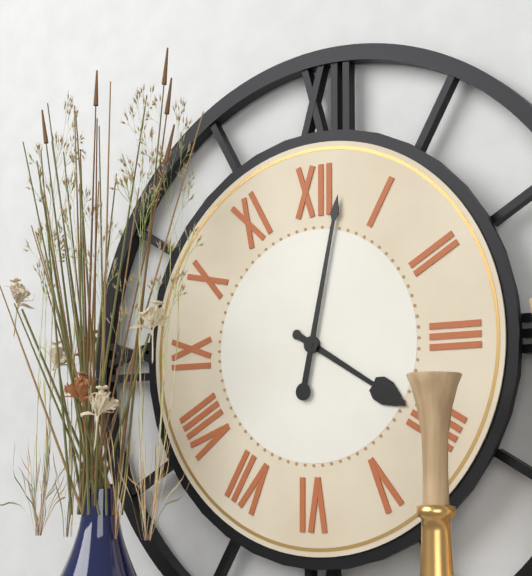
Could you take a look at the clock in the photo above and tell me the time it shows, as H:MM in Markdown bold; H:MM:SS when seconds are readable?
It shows **4:02**
